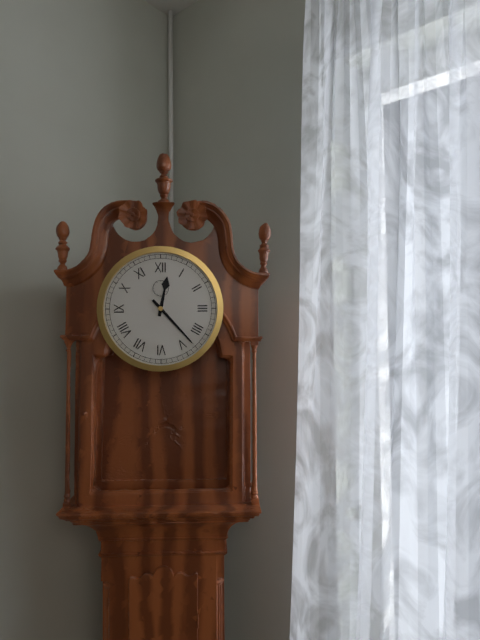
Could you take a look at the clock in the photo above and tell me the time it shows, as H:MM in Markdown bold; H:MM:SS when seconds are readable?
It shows **12:23**
